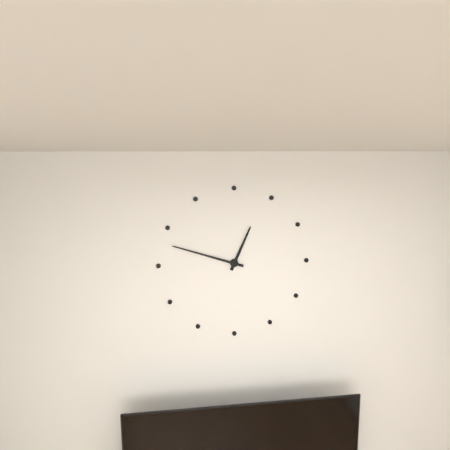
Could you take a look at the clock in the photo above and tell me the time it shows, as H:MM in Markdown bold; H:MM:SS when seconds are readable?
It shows **12:48**
